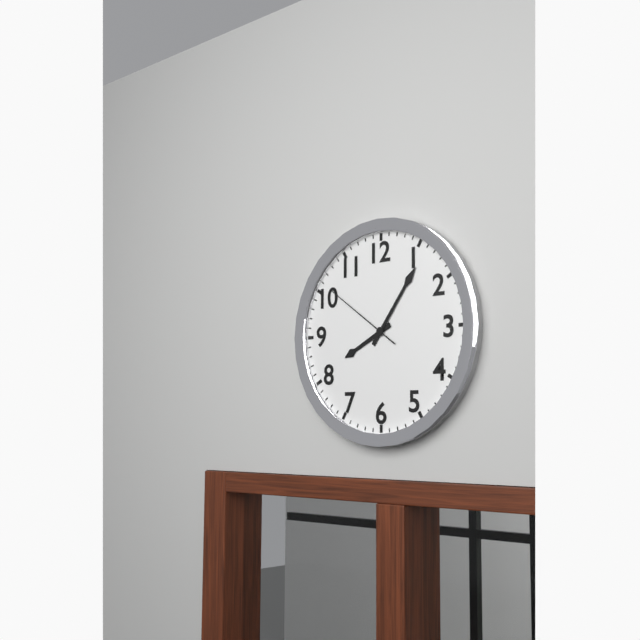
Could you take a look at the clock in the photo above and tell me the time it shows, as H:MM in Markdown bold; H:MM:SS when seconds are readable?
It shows **8:06:51**
